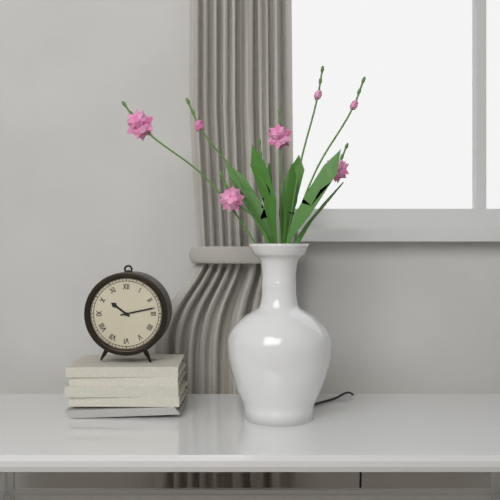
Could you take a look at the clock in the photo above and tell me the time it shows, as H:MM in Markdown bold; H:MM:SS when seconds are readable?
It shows **10:13**
